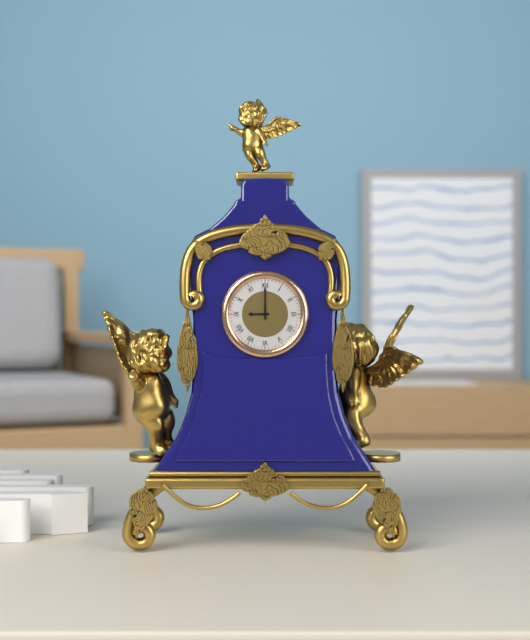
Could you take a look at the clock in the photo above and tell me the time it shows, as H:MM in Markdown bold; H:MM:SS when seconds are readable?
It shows **9:00**
